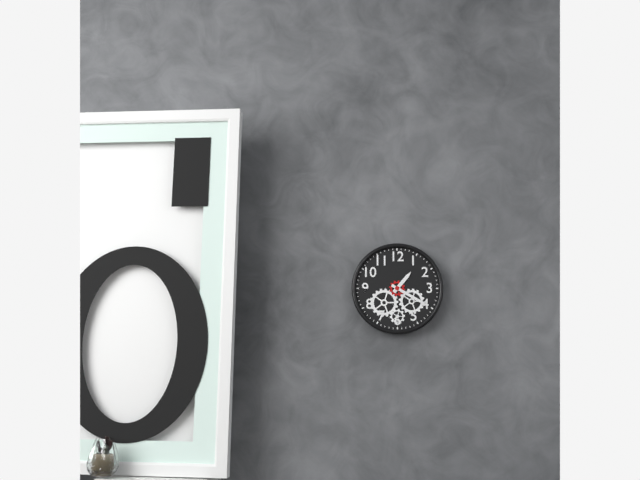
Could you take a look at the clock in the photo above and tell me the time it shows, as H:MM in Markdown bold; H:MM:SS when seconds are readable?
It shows **1:20**
